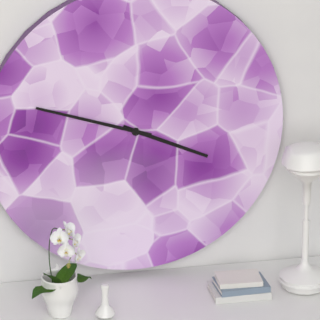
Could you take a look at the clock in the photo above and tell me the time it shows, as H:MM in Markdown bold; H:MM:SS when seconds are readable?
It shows **3:48**
